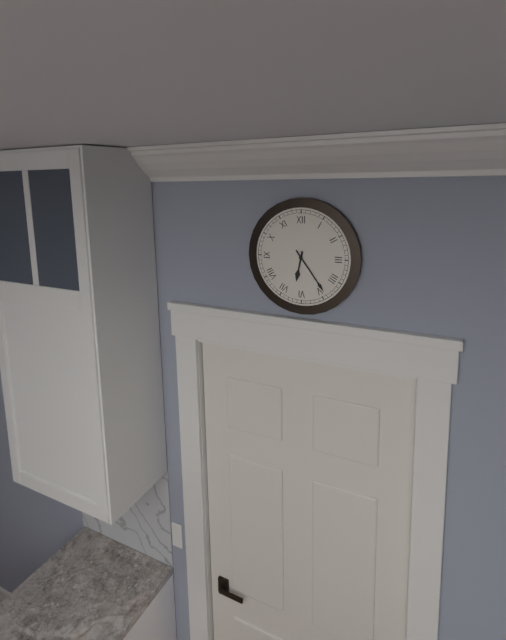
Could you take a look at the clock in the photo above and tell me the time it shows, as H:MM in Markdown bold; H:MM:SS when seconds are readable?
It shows **6:24**
